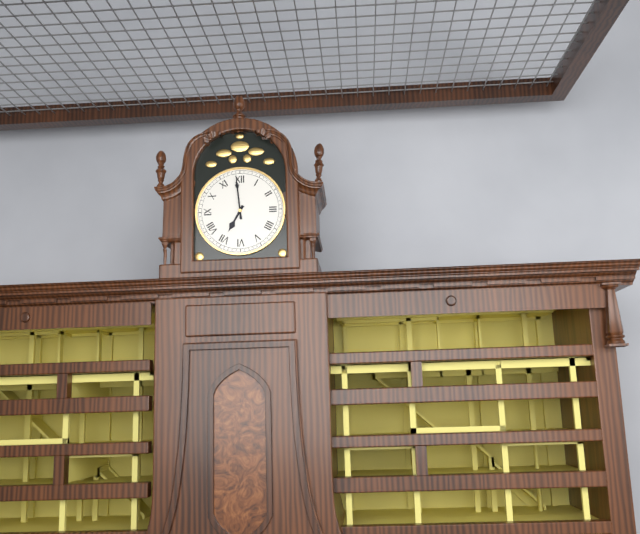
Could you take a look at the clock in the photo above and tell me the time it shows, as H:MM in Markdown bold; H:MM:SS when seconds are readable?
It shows **6:59**
